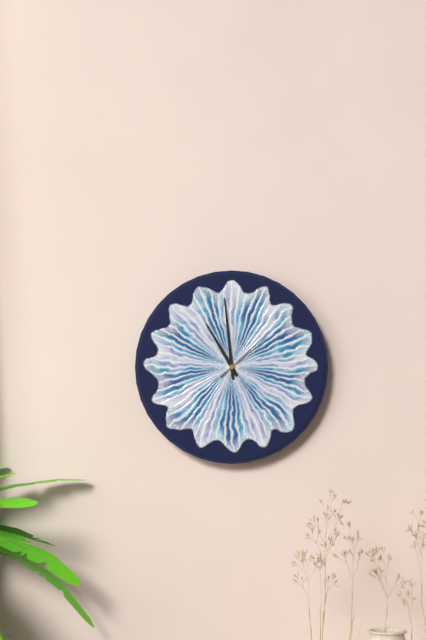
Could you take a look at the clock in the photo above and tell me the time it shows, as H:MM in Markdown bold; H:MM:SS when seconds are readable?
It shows **10:59:08**
